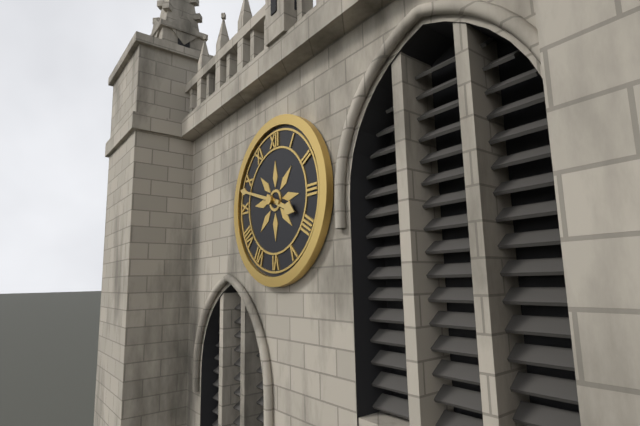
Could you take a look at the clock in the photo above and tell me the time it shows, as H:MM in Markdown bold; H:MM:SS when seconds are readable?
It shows **3:48**
